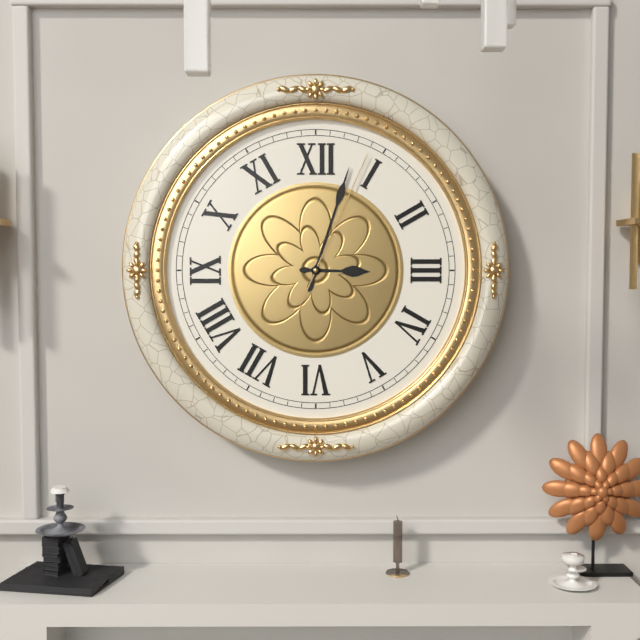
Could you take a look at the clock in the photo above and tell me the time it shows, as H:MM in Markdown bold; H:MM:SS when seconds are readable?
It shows **3:03:04**
